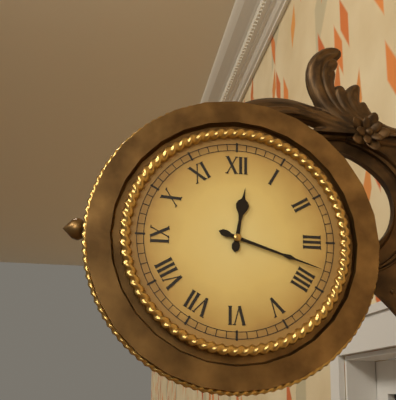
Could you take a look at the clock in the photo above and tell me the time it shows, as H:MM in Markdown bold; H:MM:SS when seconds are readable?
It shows **12:18**
